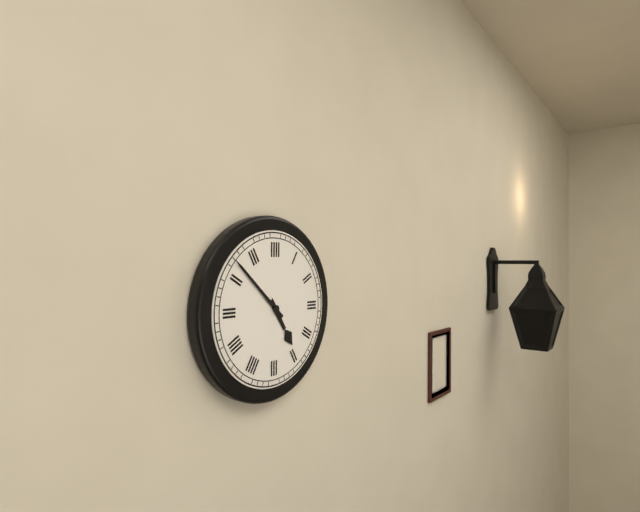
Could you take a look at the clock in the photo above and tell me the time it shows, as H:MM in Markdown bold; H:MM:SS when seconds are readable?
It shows **4:52**
